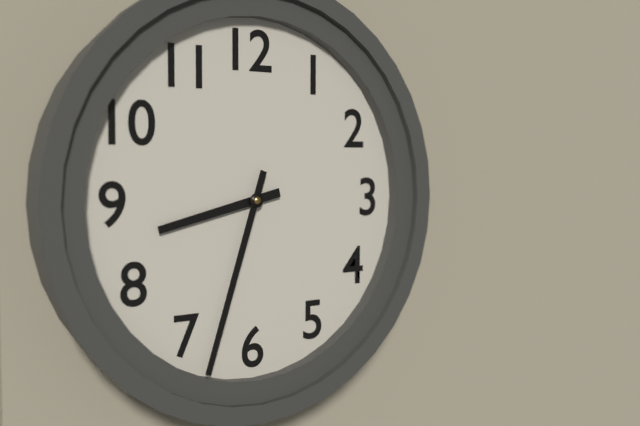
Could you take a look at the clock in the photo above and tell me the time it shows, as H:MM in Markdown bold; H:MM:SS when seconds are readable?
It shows **8:33**
